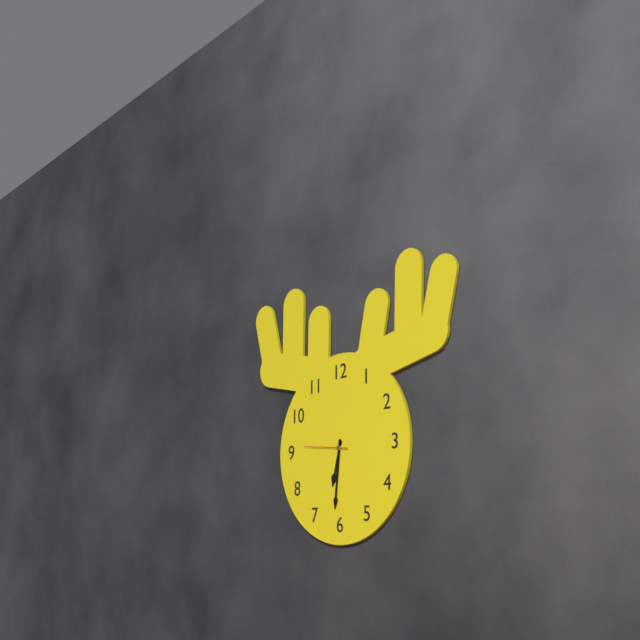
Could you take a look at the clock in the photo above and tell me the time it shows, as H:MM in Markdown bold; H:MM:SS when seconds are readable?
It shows **6:31**
